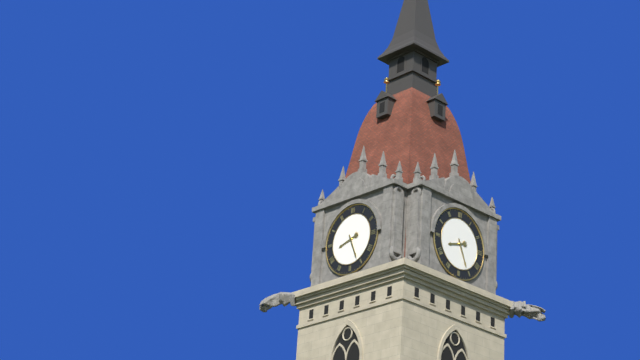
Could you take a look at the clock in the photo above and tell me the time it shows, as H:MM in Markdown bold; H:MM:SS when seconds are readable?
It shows **8:26**
